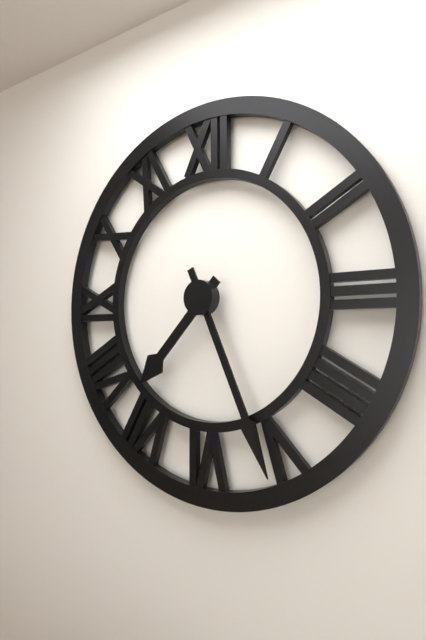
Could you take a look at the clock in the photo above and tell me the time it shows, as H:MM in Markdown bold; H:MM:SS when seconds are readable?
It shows **7:26**
